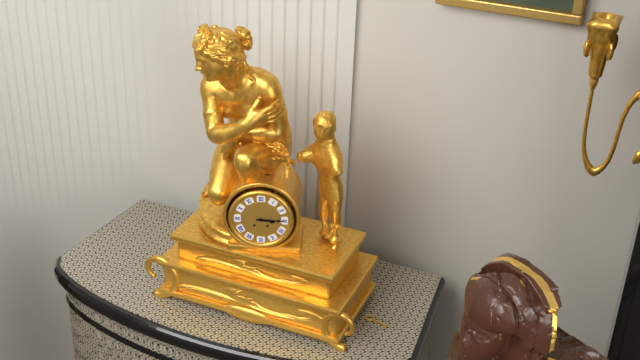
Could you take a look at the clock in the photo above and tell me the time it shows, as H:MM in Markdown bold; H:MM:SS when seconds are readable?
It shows **3:15**
